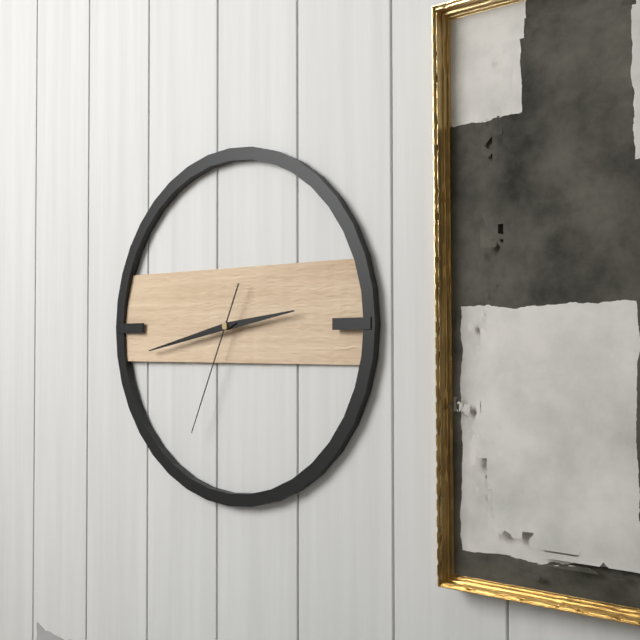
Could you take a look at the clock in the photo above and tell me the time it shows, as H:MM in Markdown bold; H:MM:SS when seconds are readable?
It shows **2:43:34**
